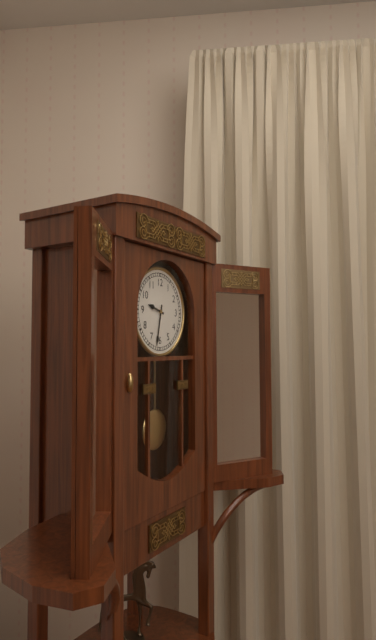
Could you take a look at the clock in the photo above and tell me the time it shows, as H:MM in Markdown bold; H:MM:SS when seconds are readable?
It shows **9:32**
